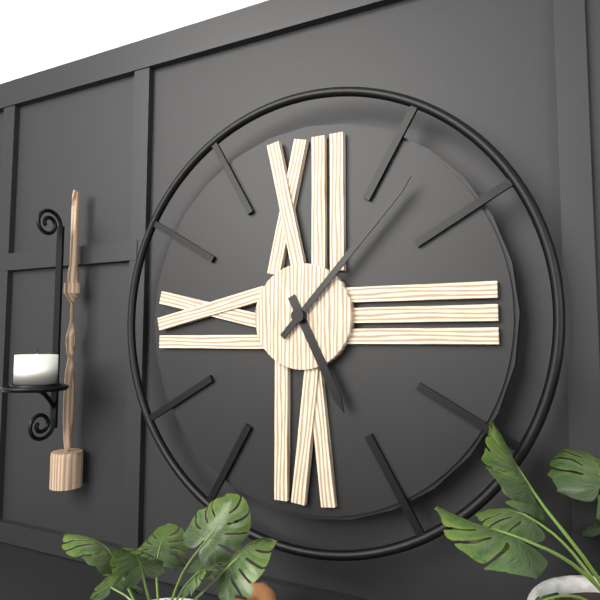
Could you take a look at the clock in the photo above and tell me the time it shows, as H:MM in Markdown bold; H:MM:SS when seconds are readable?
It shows **5:07**
